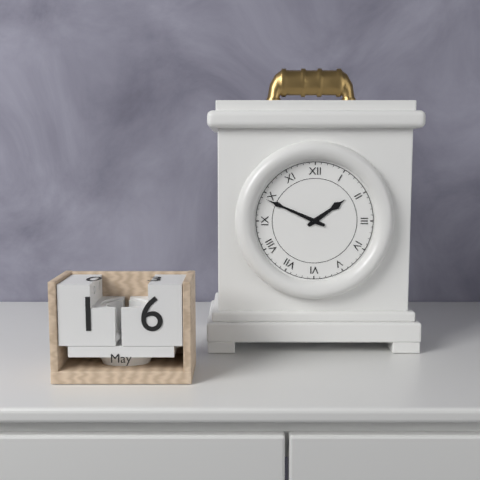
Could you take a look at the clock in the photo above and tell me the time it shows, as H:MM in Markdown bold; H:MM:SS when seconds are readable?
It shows **1:49**
